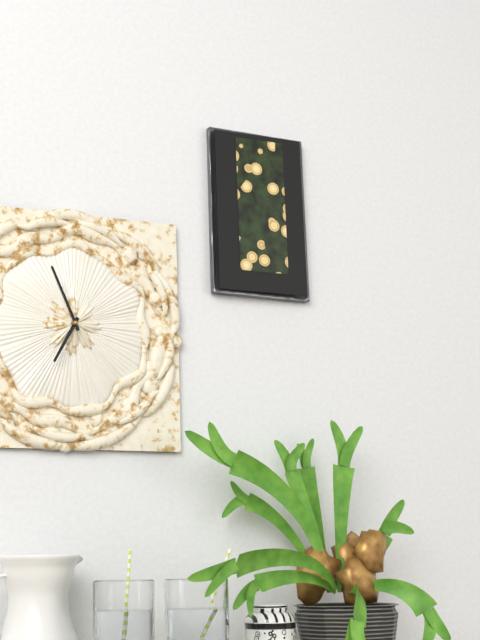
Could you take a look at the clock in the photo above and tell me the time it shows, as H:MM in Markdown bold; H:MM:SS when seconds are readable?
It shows **6:56**
